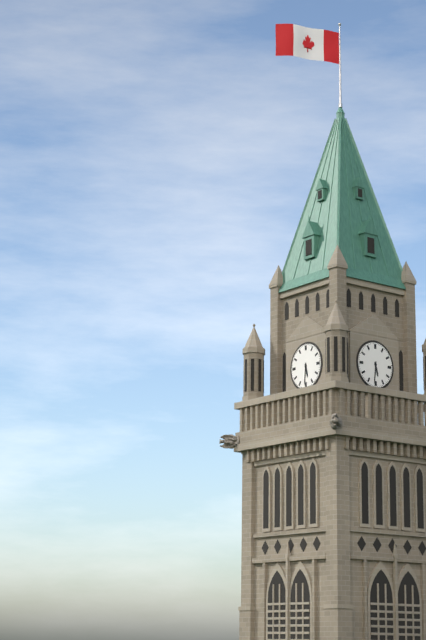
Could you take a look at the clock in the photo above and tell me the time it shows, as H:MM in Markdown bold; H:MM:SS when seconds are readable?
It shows **5:31**
